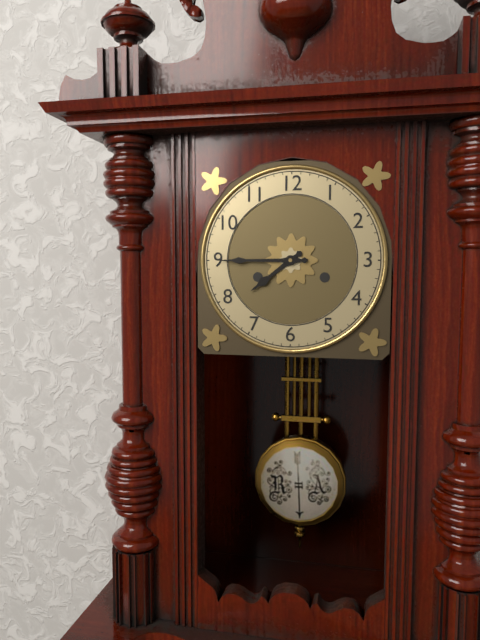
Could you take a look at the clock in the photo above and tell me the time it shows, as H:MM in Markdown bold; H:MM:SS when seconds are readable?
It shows **7:45**
